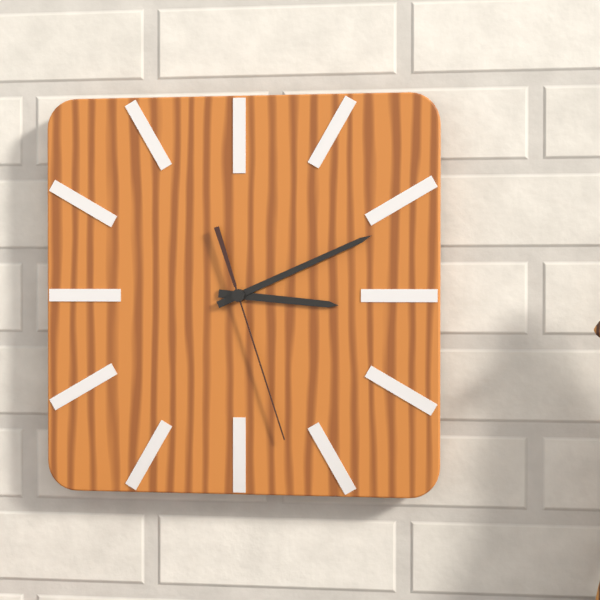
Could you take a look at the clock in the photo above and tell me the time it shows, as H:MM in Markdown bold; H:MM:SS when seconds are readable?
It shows **3:11:27**
